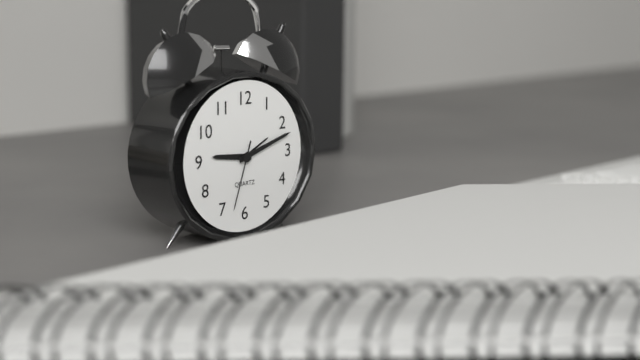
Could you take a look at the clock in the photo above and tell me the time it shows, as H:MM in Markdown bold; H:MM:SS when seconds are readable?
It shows **9:12:33**
